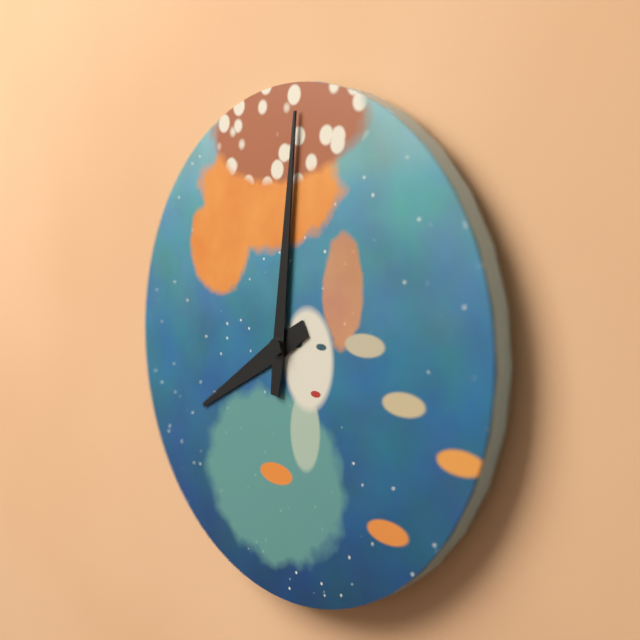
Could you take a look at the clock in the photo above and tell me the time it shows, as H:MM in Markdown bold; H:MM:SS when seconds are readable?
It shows **8:01**
